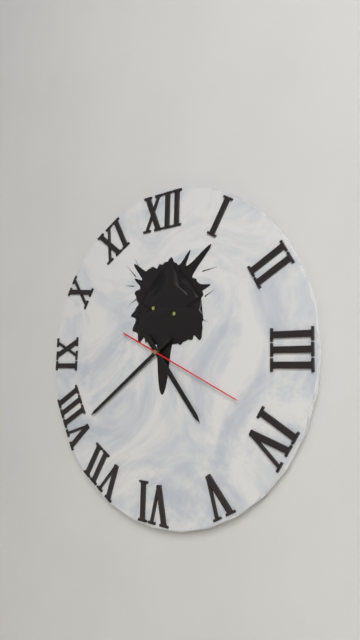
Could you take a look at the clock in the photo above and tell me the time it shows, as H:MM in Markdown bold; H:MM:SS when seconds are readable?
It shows **4:39:19**
